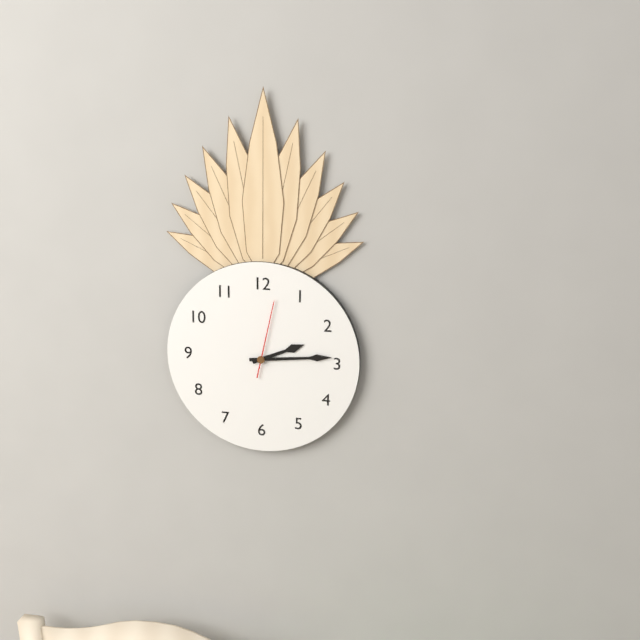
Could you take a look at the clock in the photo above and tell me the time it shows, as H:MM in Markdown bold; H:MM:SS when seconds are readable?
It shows **2:14:02**
